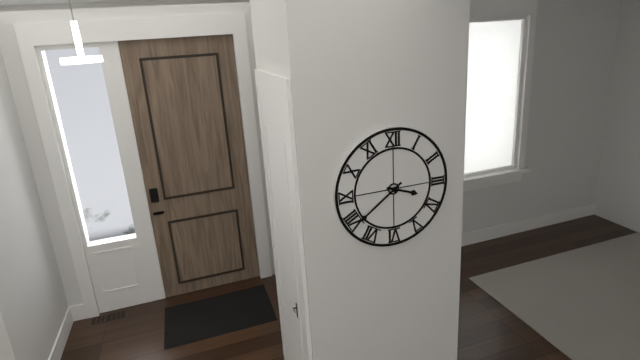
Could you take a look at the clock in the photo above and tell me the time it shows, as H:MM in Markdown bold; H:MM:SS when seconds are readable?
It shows **3:39**
